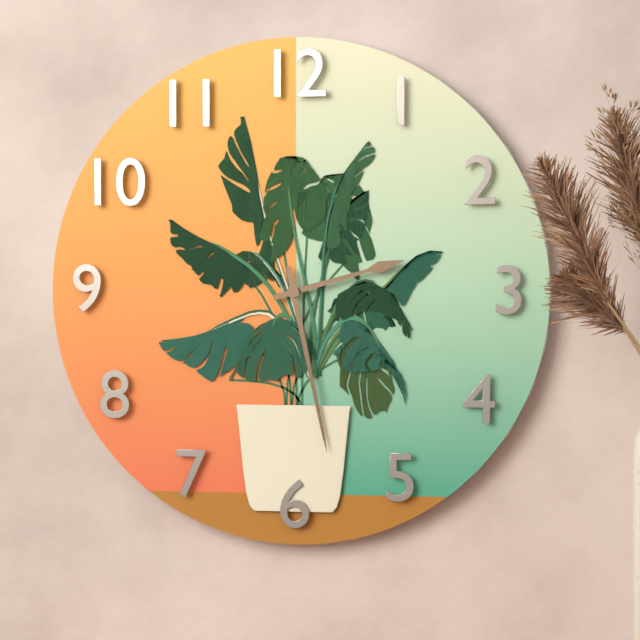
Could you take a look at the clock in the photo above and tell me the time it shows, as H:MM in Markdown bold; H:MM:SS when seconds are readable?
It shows **2:28**
